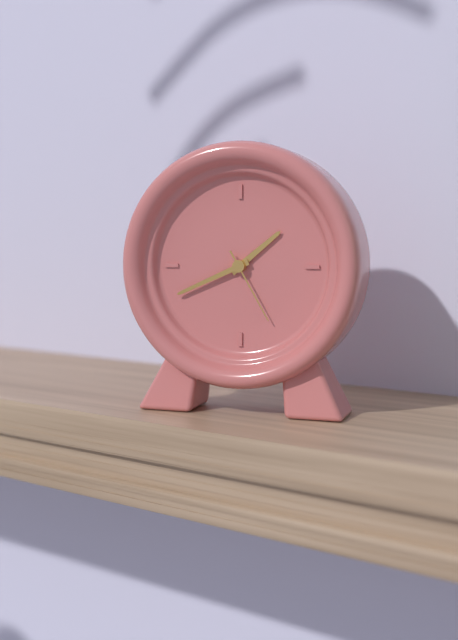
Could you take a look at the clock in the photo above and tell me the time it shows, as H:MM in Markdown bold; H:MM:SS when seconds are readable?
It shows **1:41:25**
